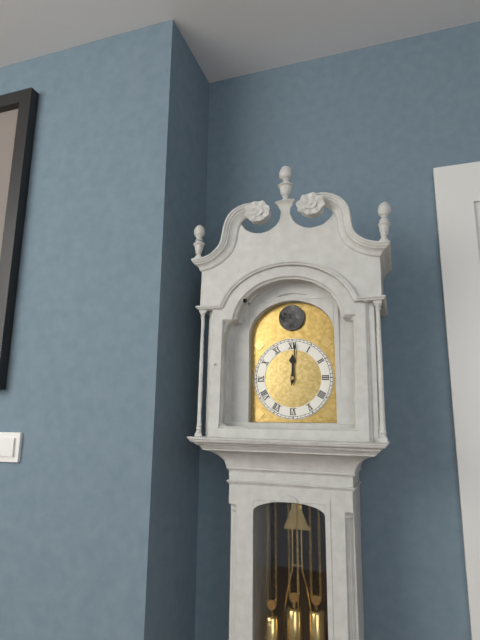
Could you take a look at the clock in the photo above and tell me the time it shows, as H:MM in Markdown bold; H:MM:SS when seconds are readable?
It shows **12:01**
